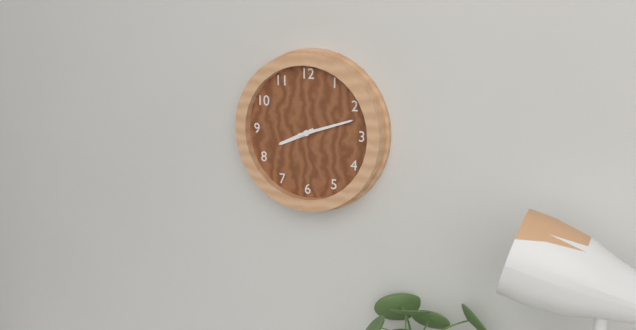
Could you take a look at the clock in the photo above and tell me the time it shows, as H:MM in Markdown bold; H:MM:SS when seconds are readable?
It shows **8:12**
